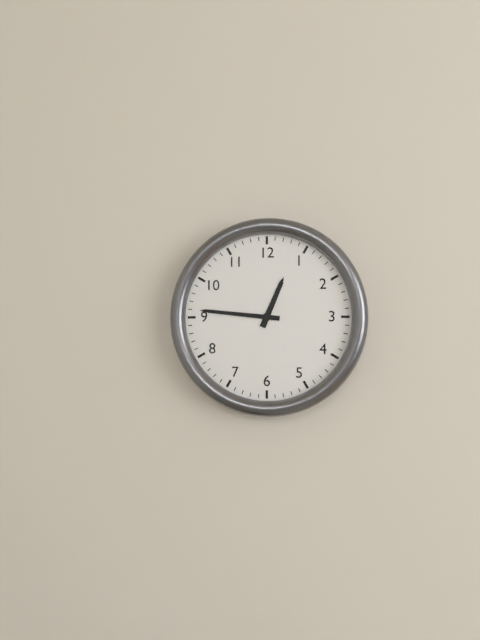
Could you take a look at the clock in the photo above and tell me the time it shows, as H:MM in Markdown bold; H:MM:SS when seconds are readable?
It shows **12:46**
